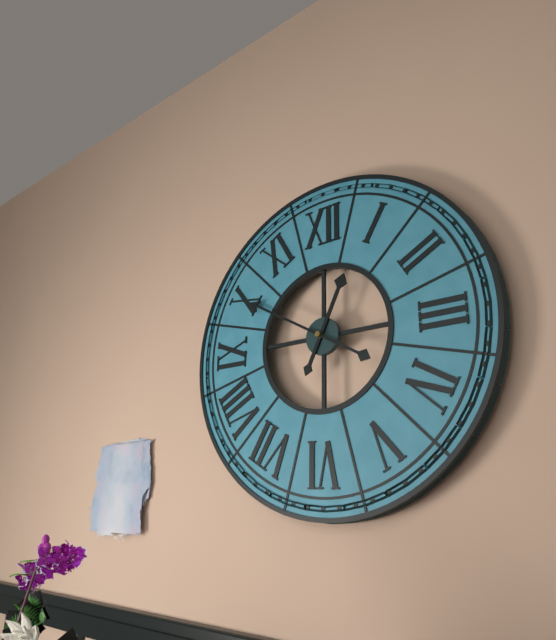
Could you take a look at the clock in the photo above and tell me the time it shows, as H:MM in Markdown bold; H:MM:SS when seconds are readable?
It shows **12:50**
